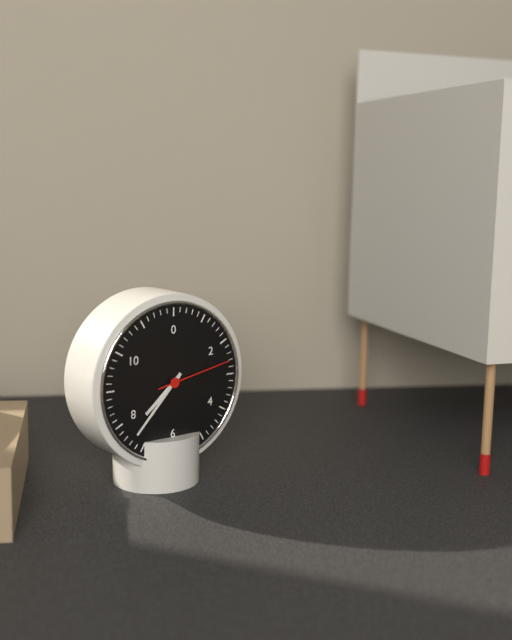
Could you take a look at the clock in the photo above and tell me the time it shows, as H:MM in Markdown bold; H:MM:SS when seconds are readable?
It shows **7:37:13**
